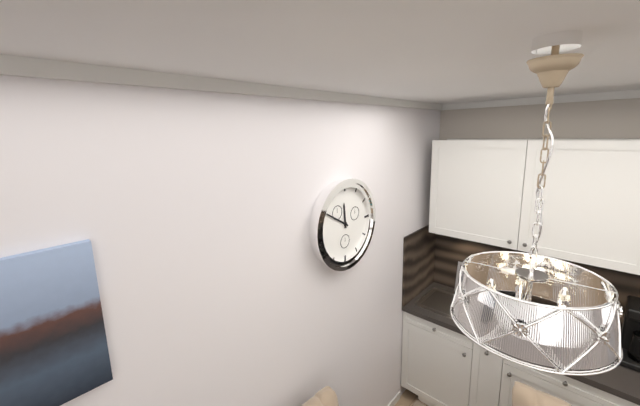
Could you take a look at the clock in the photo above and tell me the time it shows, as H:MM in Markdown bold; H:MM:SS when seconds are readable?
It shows **11:50**
